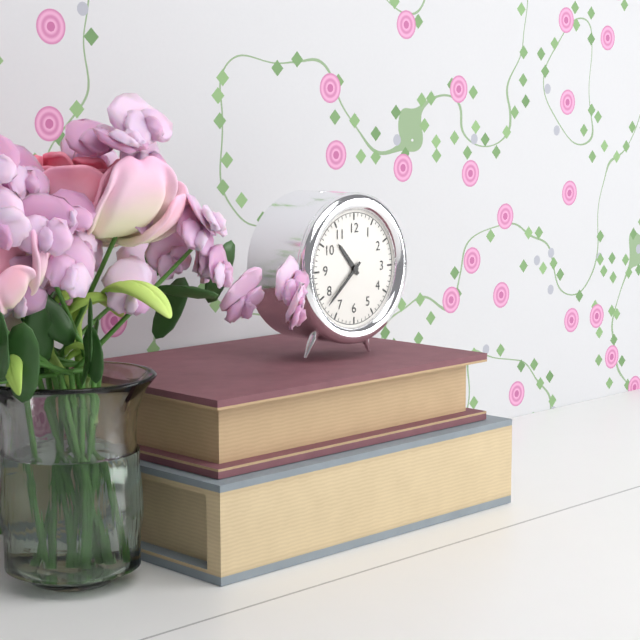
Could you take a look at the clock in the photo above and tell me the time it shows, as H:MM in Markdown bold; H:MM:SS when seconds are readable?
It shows **10:38**
